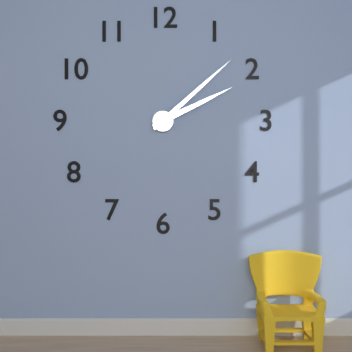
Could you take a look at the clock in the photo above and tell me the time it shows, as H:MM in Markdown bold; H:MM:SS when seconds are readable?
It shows **2:08**
